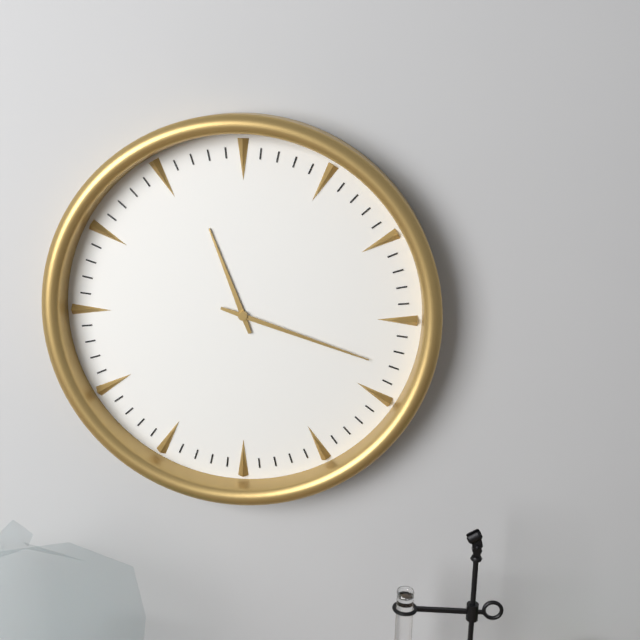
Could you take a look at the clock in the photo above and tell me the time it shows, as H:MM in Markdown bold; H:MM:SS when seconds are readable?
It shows **11:18**
